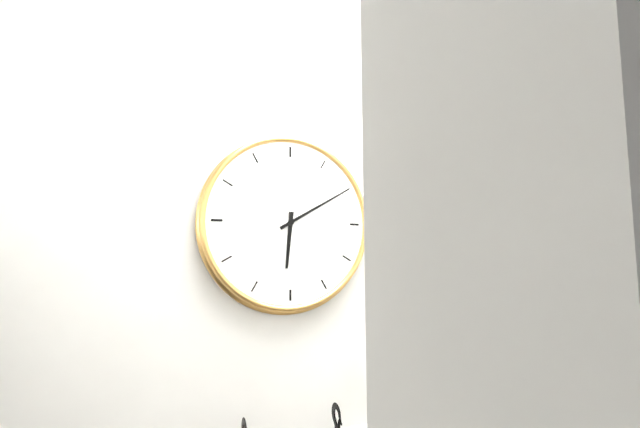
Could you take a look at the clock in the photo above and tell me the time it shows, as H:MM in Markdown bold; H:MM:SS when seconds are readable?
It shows **6:10**
